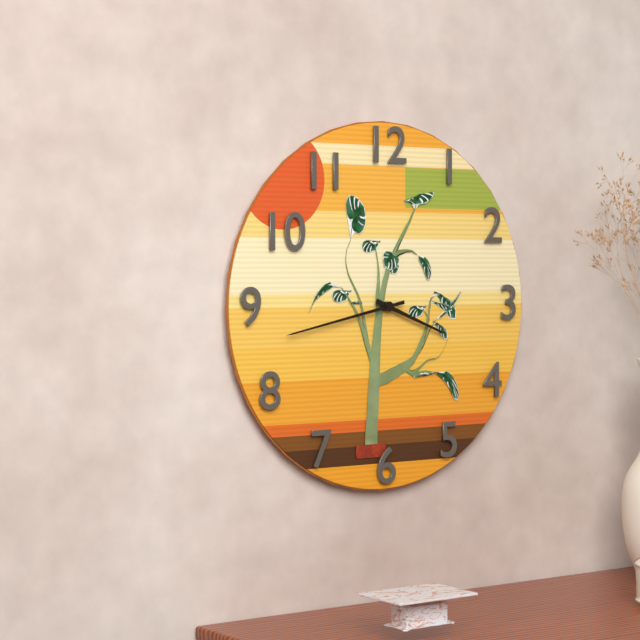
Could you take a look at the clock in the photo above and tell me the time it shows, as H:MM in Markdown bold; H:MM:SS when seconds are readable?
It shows **3:43**
